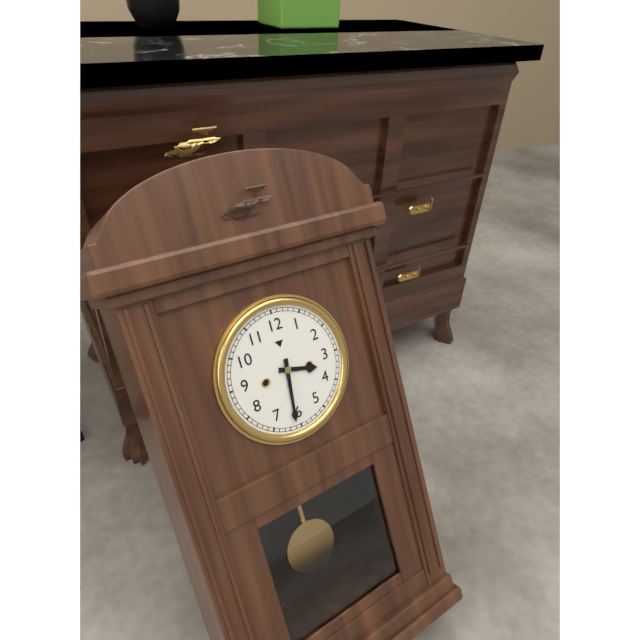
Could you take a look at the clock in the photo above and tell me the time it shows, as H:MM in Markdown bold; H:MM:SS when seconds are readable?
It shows **3:31**
